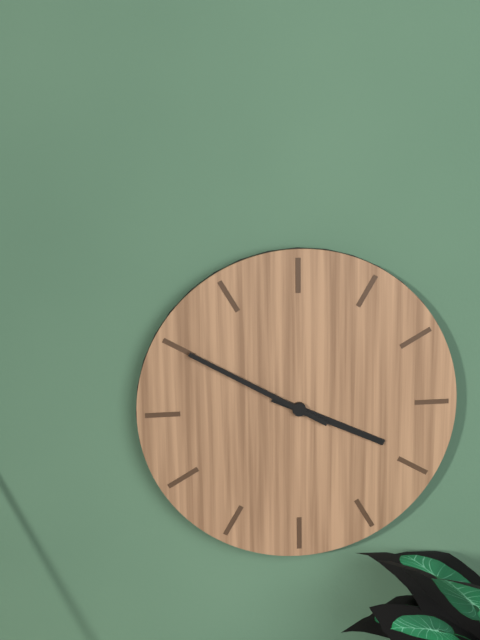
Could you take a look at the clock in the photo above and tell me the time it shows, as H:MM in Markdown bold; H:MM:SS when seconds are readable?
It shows **3:50**
